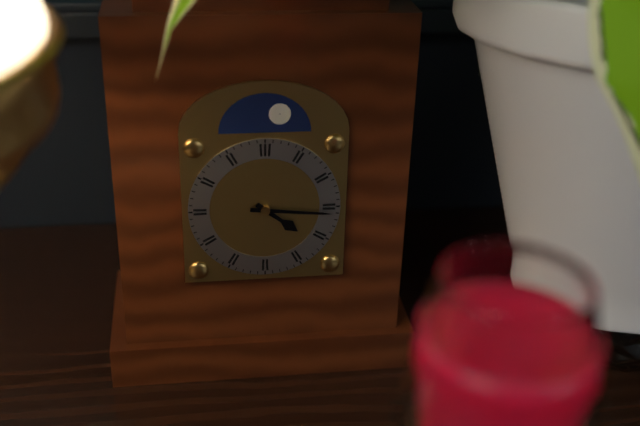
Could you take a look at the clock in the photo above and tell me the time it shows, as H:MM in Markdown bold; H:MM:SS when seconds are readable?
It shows **4:16**
